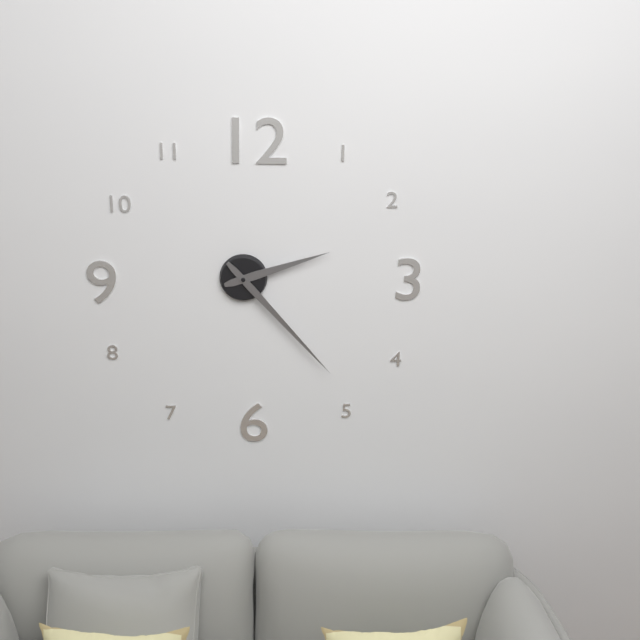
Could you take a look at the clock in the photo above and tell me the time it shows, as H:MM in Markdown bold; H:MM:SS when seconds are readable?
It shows **2:23**
